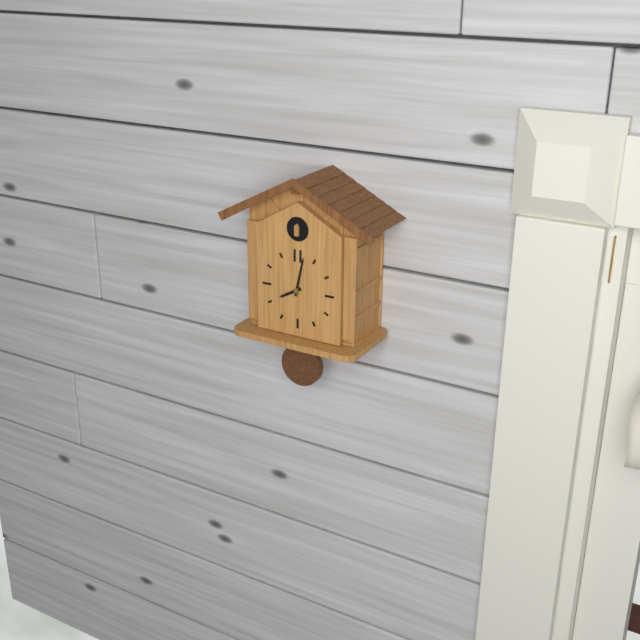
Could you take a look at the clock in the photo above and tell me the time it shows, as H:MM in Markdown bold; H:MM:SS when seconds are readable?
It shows **8:02**
